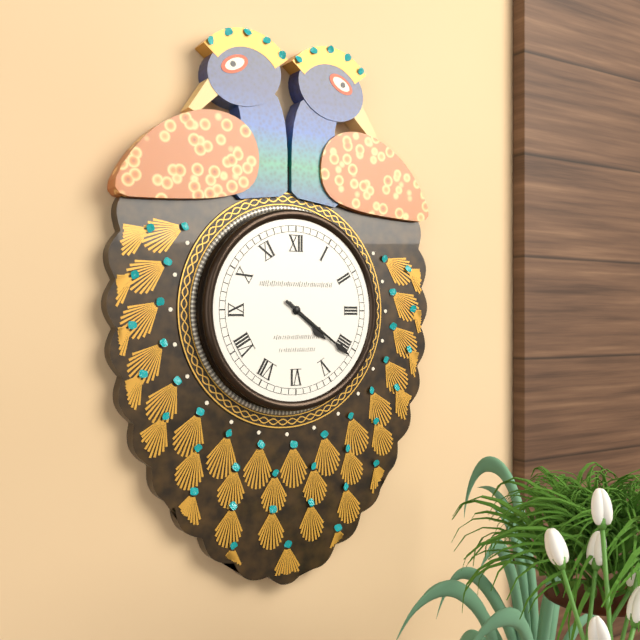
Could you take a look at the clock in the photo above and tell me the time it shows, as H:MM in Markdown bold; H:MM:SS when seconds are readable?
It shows **4:21**
